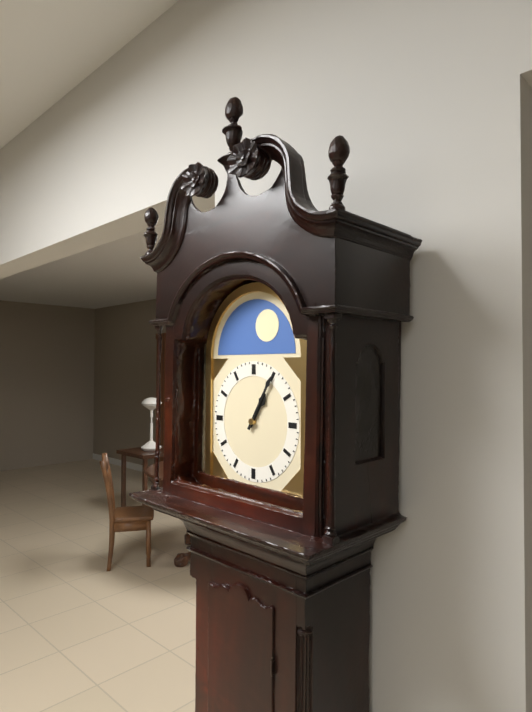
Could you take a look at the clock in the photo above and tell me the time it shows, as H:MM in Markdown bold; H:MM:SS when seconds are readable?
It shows **1:05**
